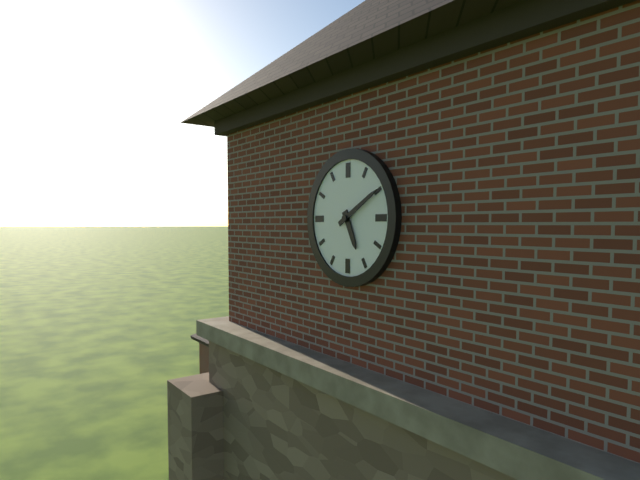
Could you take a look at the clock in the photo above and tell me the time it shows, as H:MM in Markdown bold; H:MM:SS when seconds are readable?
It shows **5:10**
